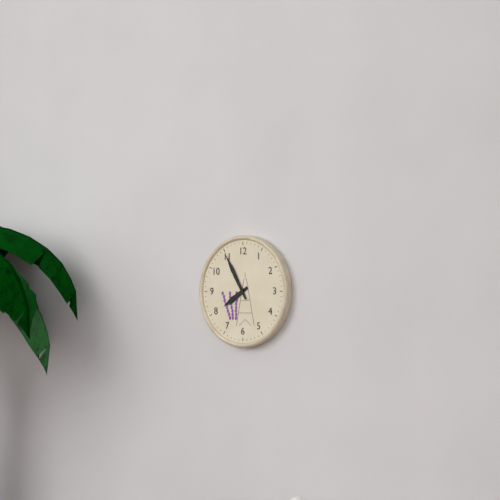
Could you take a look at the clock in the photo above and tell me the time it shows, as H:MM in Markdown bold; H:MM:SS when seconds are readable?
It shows **7:55**
